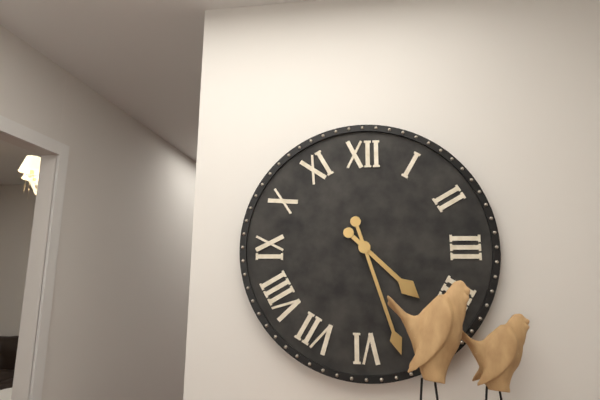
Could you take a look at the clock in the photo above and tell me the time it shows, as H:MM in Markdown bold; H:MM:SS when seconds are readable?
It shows **4:27**
